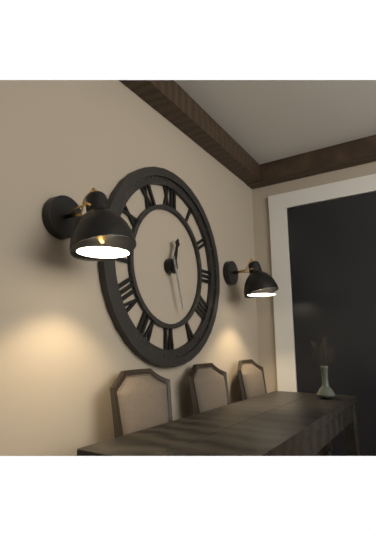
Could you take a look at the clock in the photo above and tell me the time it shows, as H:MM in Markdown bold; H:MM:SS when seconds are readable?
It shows **12:27**
